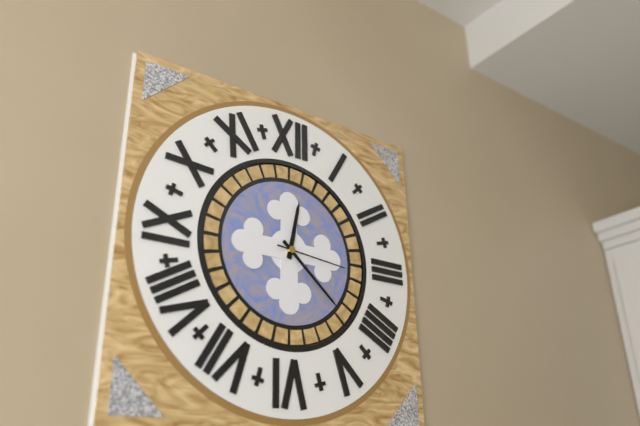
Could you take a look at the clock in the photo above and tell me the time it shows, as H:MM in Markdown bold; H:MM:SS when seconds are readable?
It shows **12:22:16**
